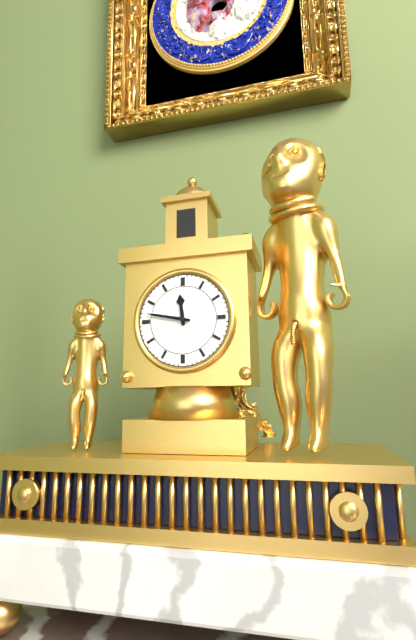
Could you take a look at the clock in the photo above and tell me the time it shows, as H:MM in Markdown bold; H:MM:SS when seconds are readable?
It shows **11:47**
